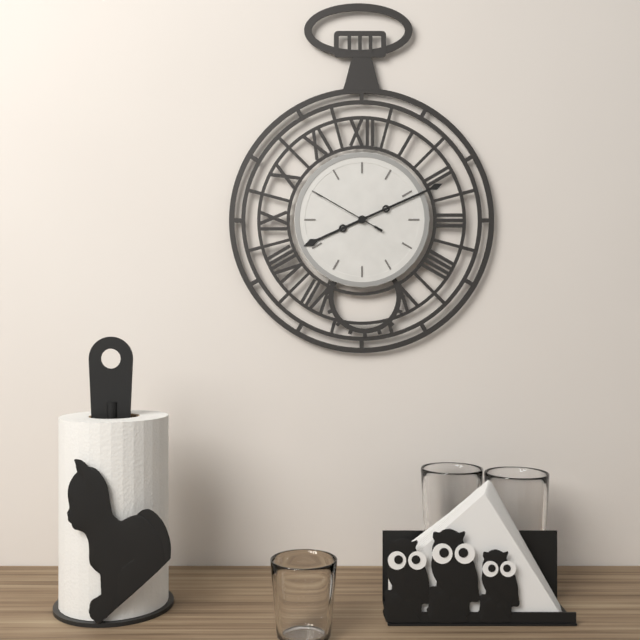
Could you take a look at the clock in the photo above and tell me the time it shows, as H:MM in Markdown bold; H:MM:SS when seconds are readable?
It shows **8:11:50**
